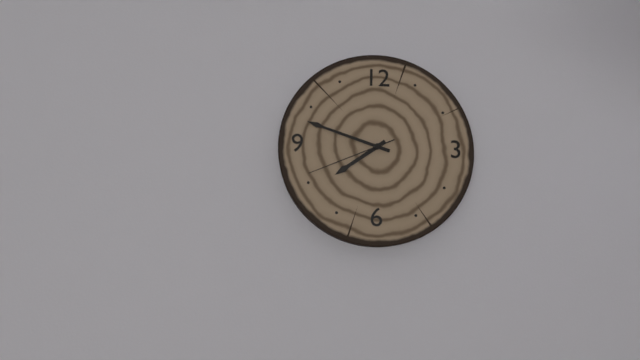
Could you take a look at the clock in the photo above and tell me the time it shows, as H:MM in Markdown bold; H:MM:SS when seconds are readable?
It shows **7:48:41**
